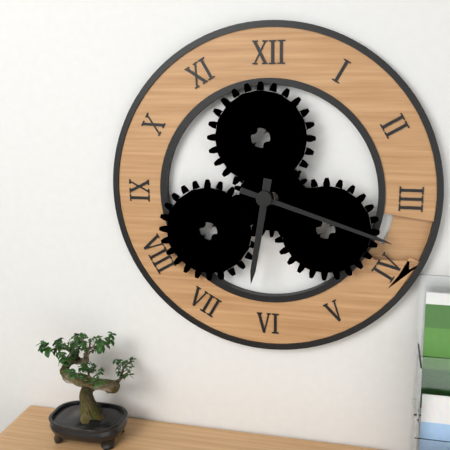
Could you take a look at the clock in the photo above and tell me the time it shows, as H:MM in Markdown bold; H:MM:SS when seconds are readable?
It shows **6:18**
